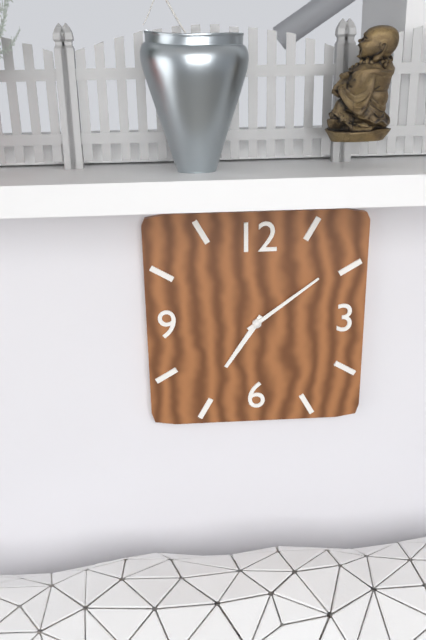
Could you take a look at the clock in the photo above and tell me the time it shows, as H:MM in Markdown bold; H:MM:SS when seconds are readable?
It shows **7:09**
